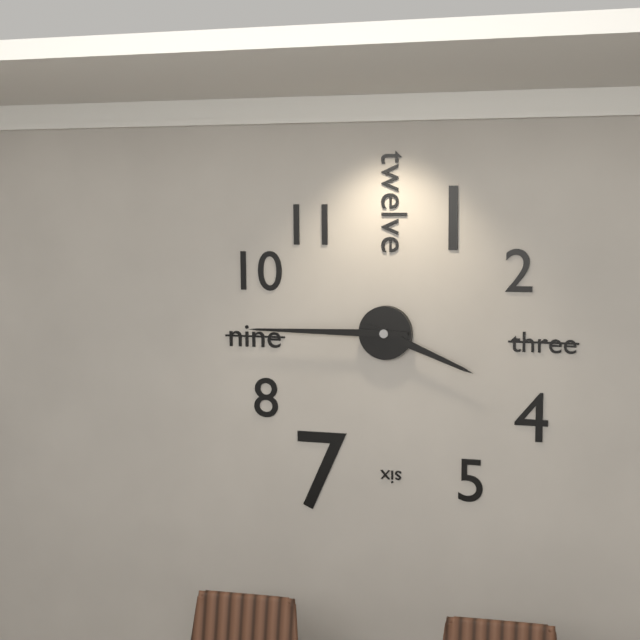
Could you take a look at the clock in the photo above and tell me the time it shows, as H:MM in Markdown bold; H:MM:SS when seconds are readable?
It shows **3:45**
